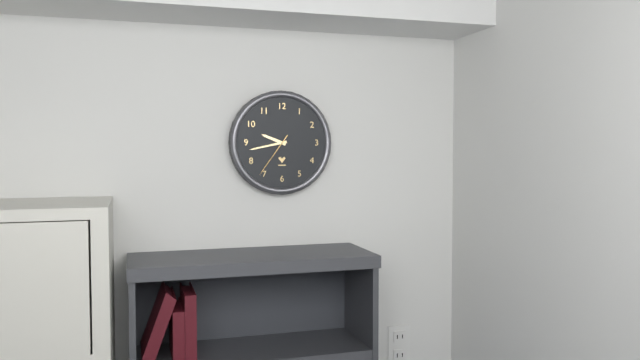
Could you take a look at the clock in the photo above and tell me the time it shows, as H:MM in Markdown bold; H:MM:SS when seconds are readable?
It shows **9:43**
